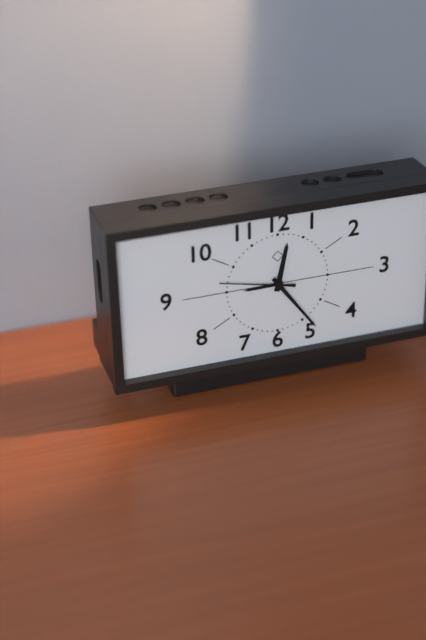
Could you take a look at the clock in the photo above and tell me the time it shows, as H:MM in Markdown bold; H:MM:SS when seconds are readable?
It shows **12:24:47**
